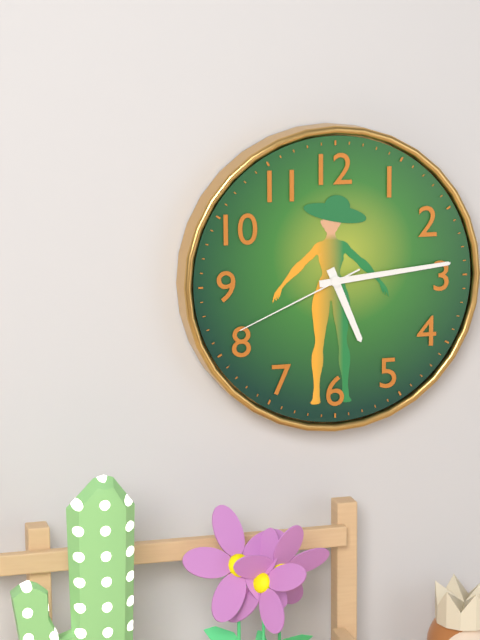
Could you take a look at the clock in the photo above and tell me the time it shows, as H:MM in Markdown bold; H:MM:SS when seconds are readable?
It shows **5:14:41**
